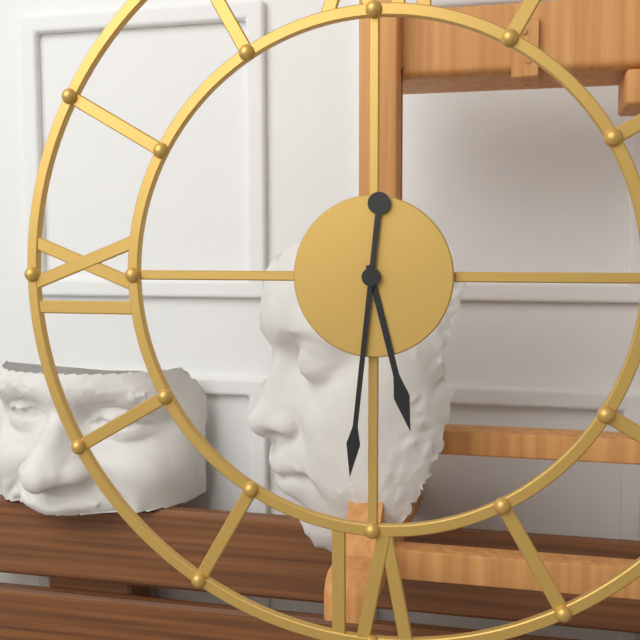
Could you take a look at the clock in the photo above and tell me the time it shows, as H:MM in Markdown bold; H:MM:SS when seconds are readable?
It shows **5:31**
